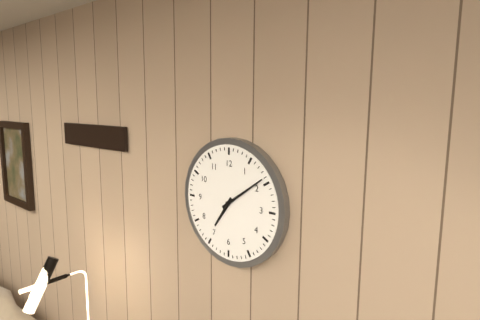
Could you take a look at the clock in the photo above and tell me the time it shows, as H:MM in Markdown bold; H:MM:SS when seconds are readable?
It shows **7:09**
